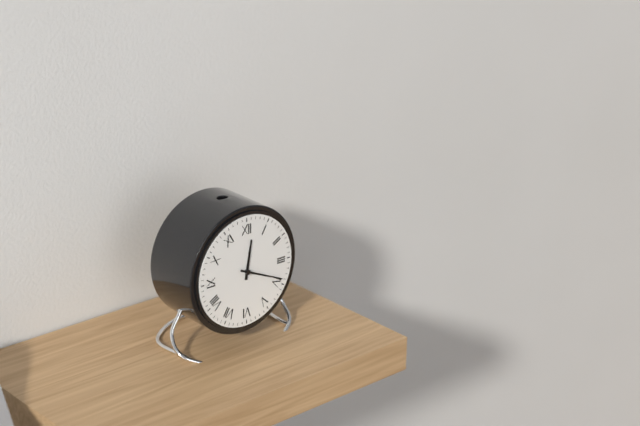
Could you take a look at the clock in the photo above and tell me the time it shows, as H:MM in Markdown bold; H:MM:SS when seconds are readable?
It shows **12:19**
